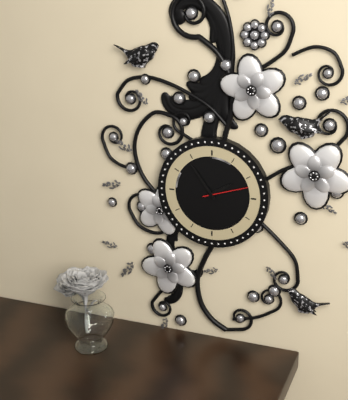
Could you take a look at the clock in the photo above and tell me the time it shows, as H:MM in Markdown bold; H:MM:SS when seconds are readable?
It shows **1:54**
